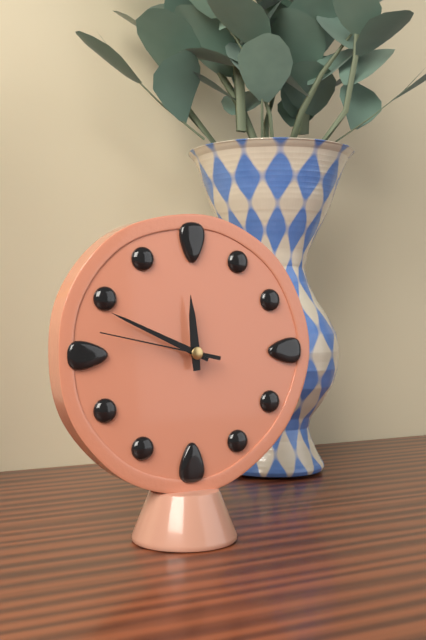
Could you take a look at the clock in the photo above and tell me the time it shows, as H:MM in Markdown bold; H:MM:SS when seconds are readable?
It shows **11:49:47**
